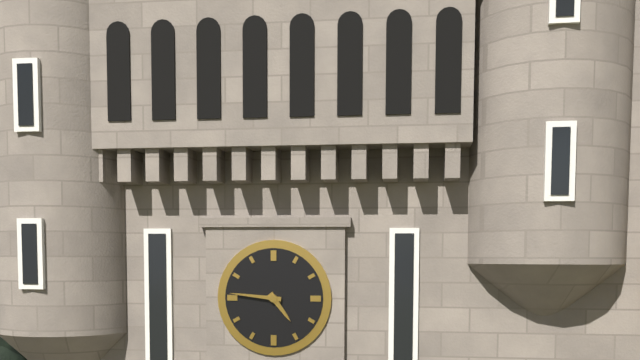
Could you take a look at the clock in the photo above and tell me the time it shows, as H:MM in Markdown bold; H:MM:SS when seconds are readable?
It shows **4:46**
